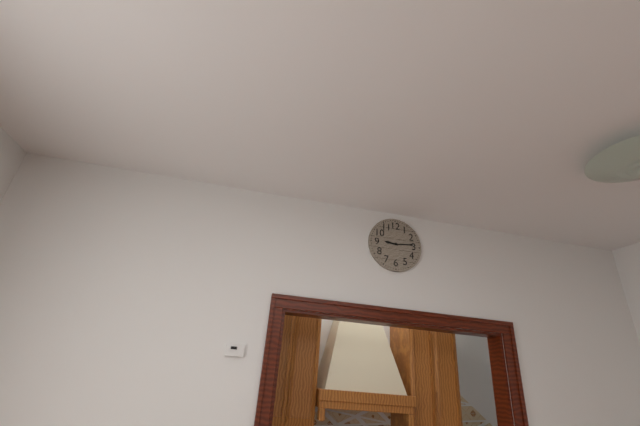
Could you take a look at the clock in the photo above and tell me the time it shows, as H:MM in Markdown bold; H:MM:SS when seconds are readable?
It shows **9:14**
